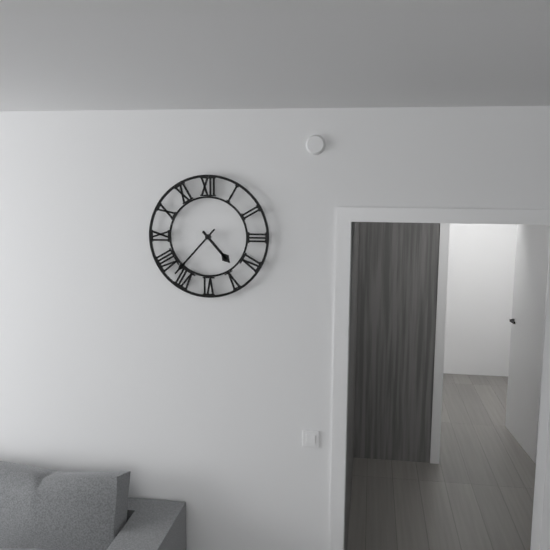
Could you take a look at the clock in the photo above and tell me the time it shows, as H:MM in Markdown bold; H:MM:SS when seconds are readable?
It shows **4:37**
